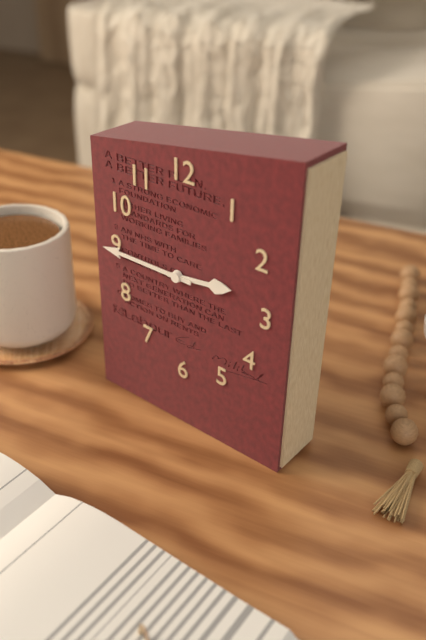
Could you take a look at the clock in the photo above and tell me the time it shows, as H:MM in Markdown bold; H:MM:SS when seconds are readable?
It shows **2:45**
